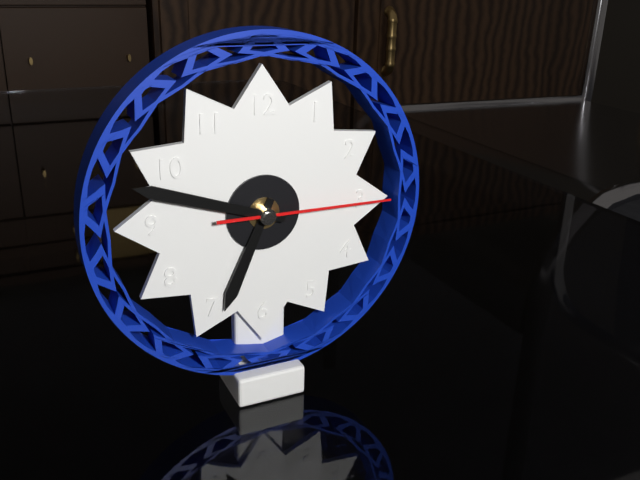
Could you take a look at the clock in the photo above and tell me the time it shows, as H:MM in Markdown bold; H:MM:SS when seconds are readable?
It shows **6:48:15**
